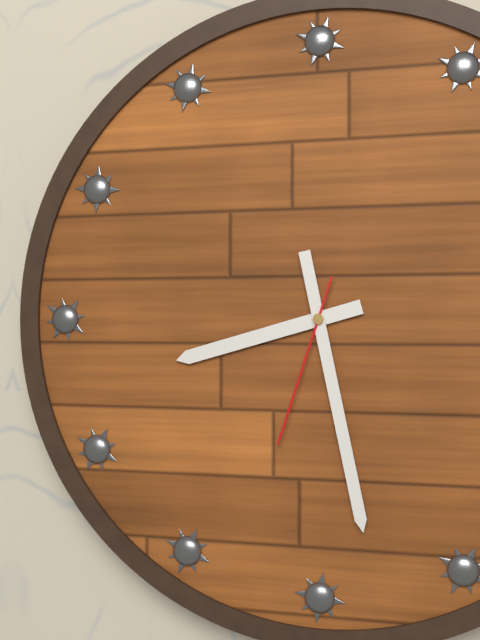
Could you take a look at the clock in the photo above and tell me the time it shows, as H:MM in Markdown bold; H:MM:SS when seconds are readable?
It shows **8:28:33**
